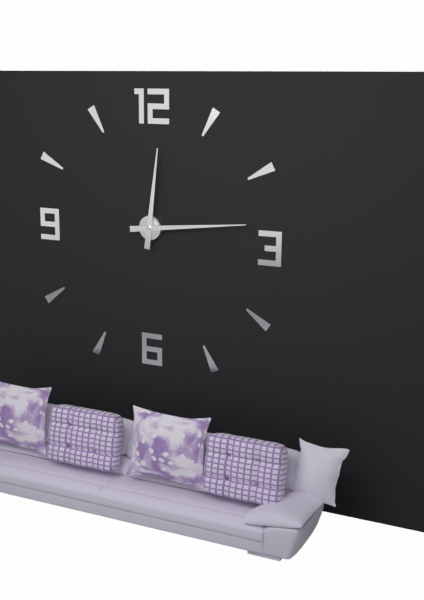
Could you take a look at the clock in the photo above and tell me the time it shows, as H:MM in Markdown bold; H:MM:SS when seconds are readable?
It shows **12:14**
